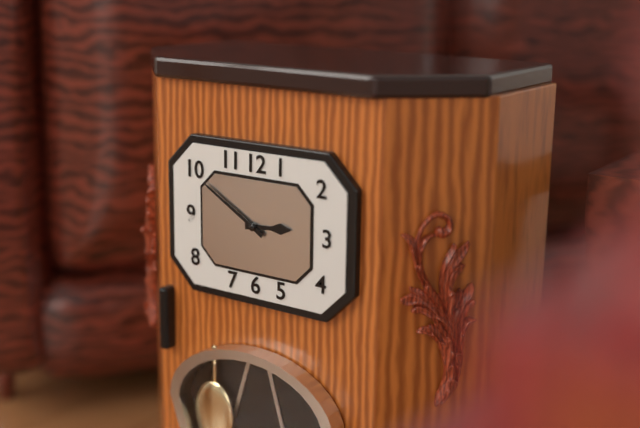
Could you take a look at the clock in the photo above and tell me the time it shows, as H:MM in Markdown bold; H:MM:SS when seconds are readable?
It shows **2:50**
